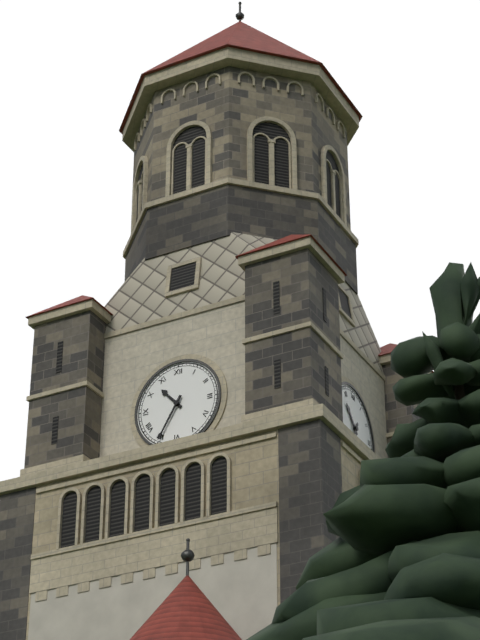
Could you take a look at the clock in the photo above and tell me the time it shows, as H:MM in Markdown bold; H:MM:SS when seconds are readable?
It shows **10:35**
